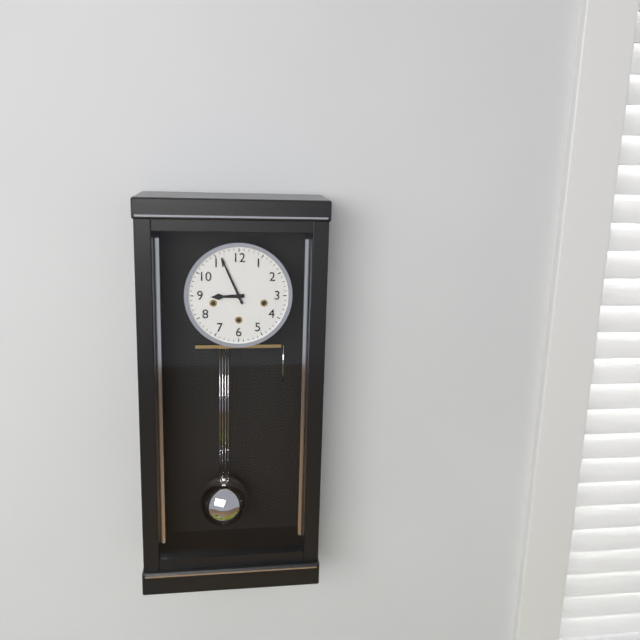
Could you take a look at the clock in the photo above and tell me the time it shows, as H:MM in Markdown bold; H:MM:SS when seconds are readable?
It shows **8:56**
